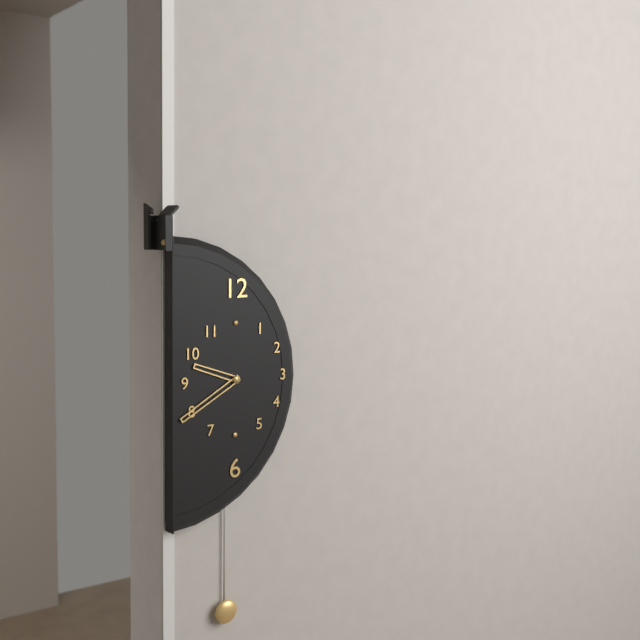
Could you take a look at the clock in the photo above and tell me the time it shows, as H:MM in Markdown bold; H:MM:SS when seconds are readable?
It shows **9:40**
